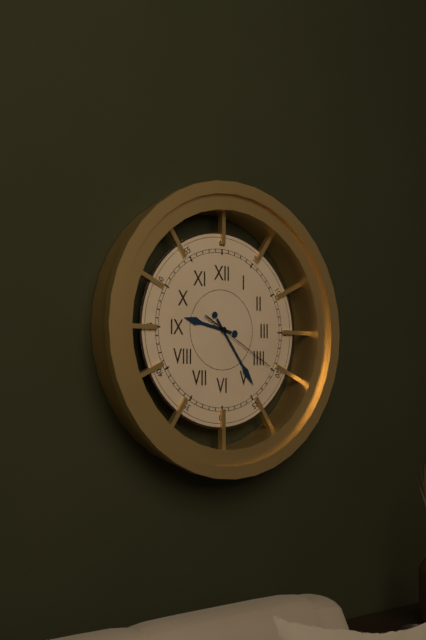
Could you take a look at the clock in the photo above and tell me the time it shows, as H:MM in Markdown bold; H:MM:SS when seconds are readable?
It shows **9:24:20**
